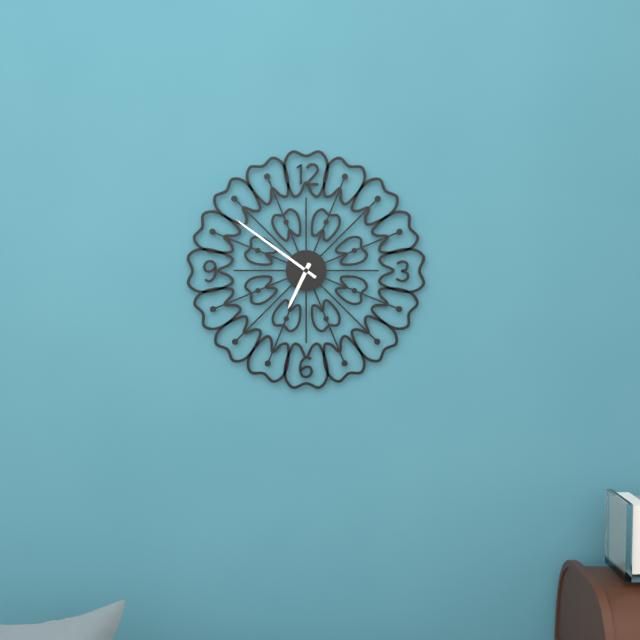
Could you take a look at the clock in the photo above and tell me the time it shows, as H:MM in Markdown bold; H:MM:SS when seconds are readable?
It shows **6:51**
